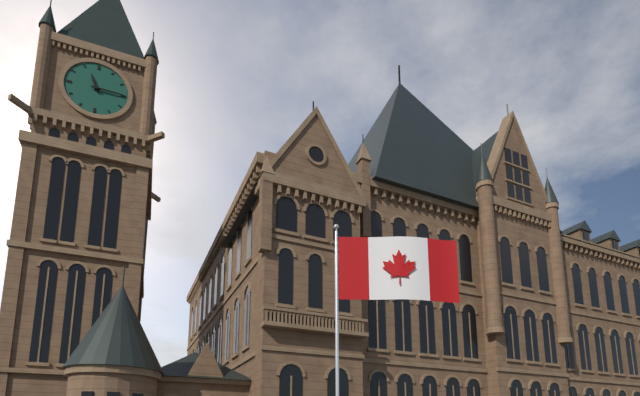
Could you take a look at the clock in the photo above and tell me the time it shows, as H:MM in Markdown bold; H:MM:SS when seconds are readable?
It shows **11:15**
